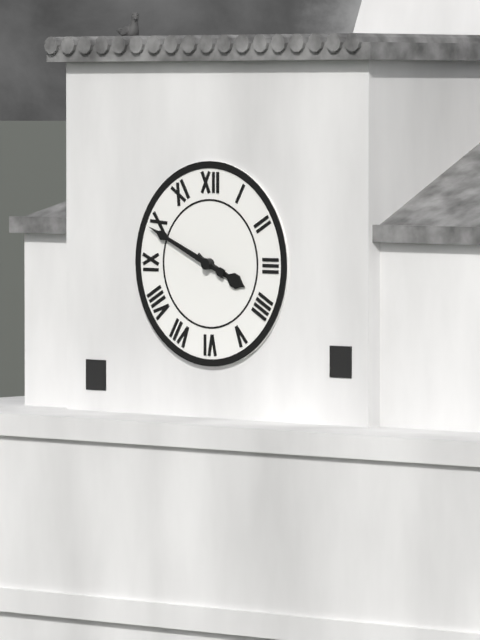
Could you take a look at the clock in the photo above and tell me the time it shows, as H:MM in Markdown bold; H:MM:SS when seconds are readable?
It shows **3:49**
